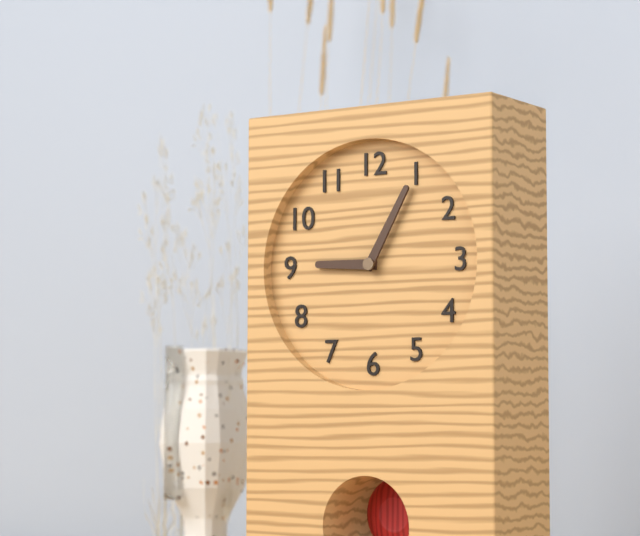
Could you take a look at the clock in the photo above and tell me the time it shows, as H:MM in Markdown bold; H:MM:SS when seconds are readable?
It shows **9:05**
